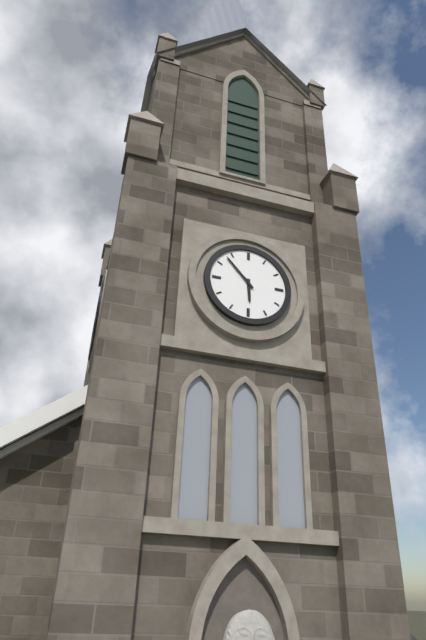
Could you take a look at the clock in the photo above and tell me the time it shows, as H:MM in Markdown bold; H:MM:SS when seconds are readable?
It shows **5:53**
